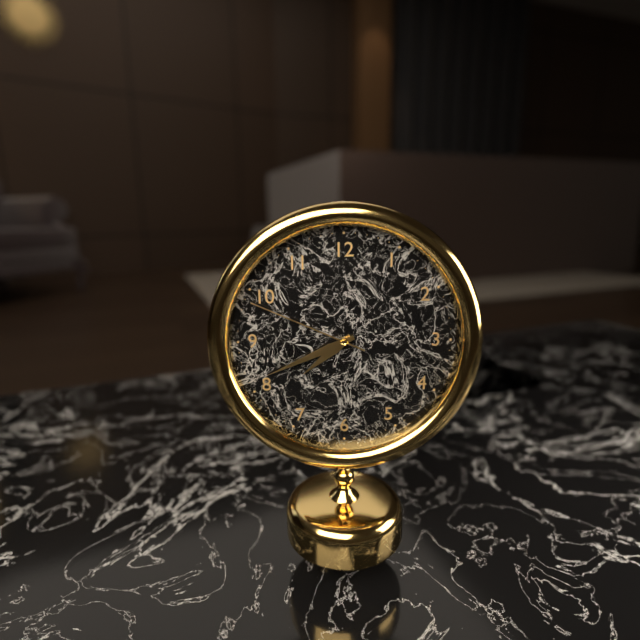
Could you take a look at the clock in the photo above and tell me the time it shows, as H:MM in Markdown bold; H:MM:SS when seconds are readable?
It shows **7:41:49**
